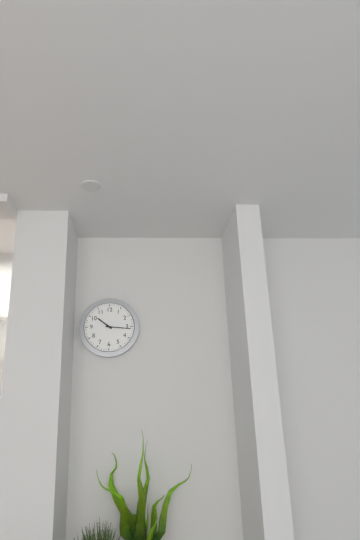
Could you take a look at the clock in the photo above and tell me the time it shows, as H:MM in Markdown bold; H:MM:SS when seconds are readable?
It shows **10:16**
